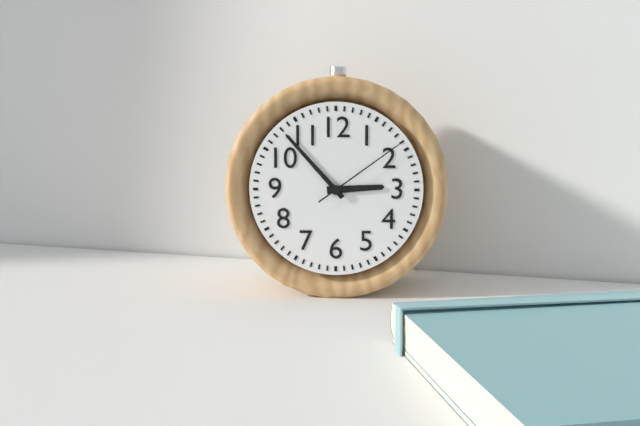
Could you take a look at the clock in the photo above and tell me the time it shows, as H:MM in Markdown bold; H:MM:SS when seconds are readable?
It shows **2:53:09**
